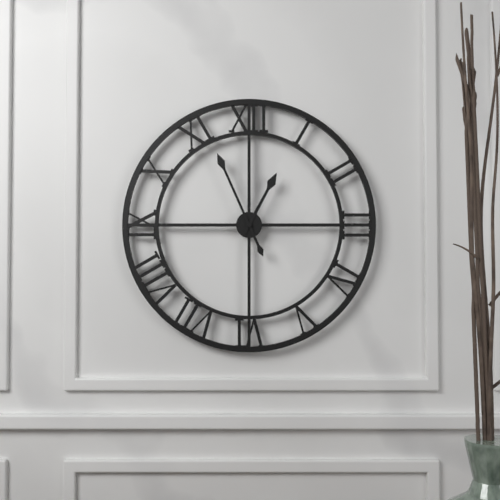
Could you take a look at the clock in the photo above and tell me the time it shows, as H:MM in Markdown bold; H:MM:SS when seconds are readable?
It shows **12:56**
